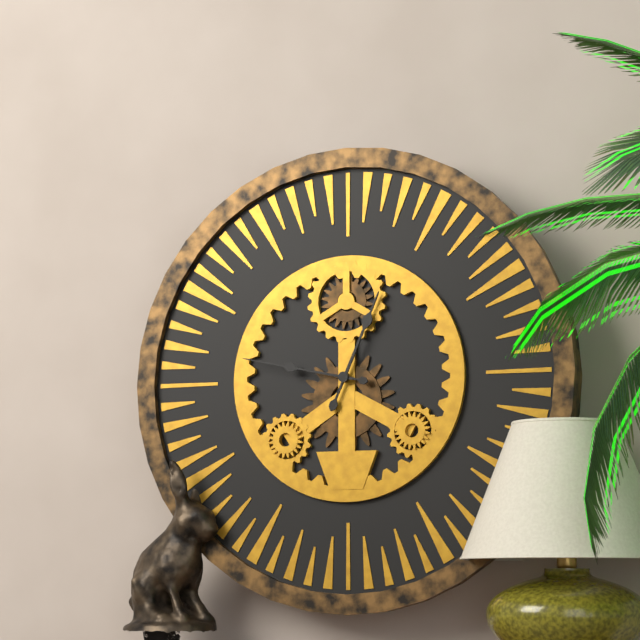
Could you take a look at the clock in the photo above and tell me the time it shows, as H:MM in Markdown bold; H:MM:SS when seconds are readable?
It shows **12:47**
